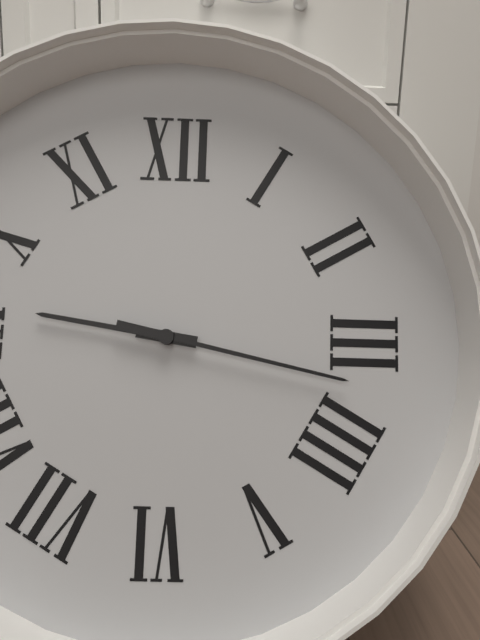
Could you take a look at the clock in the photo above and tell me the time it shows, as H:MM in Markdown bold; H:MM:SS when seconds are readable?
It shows **9:17**
